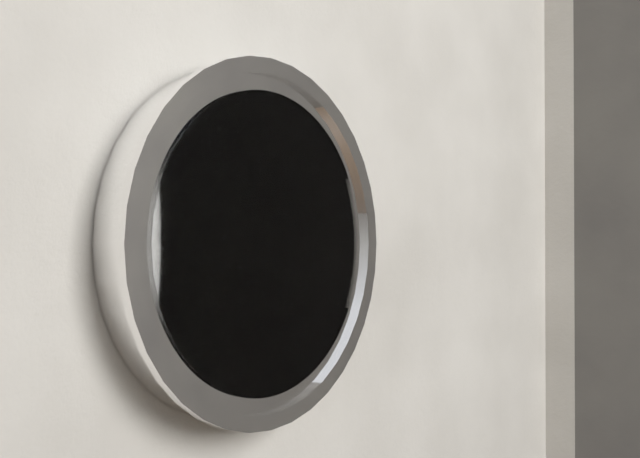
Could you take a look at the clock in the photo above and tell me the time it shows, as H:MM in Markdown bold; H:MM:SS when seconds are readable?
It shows **2:13**
